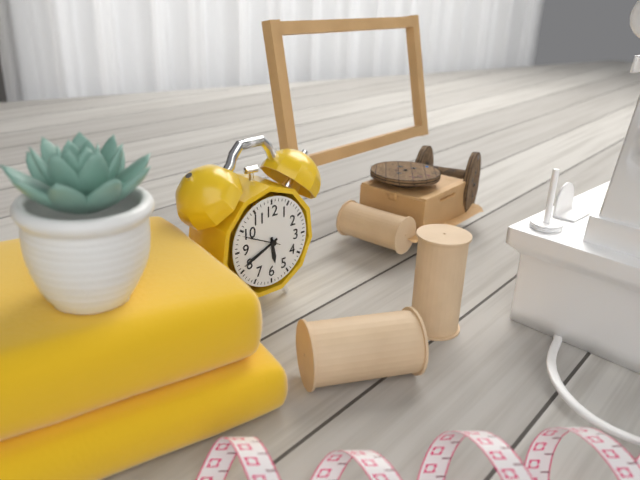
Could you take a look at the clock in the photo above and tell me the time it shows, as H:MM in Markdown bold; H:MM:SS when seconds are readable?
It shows **5:41**
